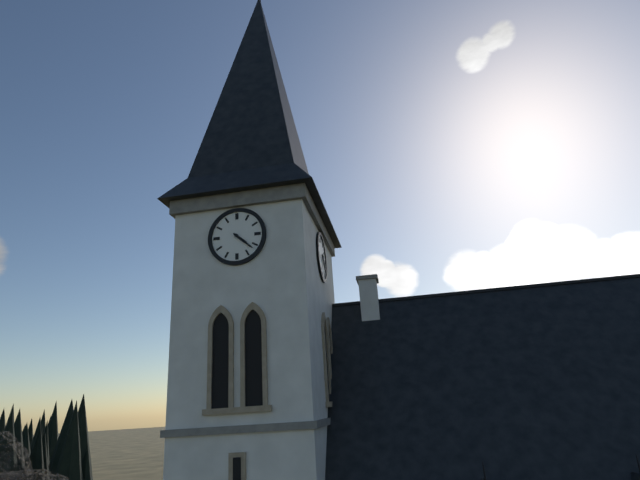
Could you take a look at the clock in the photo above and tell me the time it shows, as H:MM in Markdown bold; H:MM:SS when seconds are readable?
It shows **4:22**
